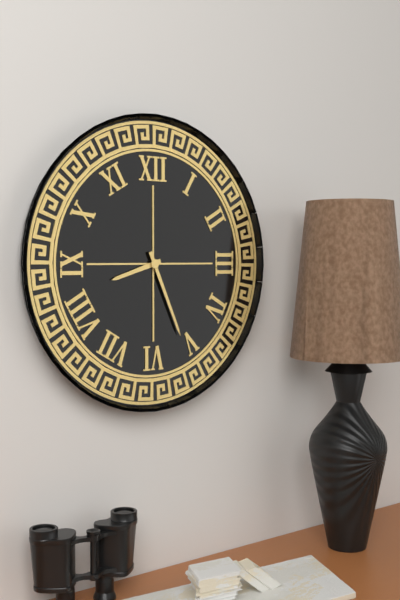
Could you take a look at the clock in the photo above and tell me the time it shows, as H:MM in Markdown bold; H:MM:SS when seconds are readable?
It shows **8:26**
